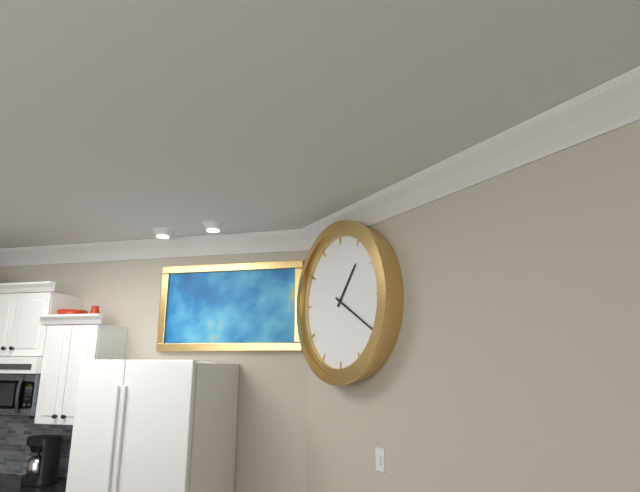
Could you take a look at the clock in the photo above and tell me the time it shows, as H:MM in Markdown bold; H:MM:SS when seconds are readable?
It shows **1:20**
